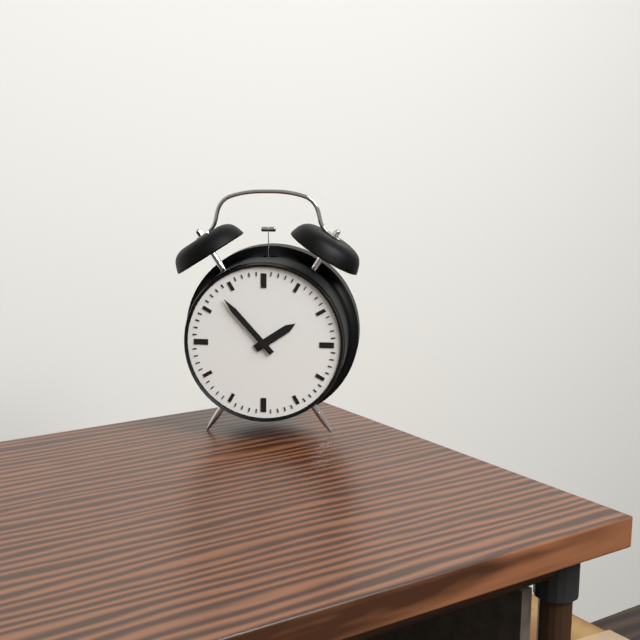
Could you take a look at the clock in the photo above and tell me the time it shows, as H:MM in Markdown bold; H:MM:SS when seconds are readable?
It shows **1:53**
